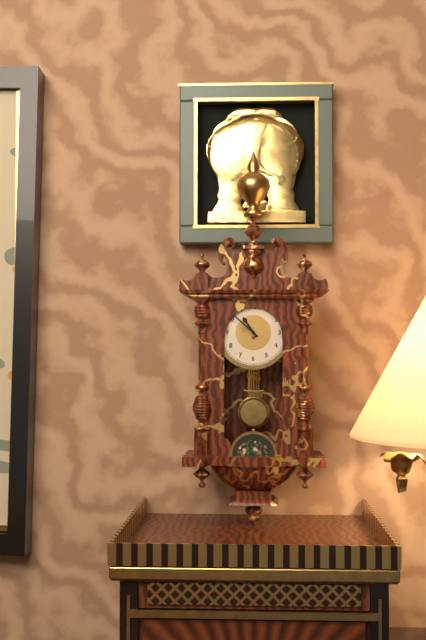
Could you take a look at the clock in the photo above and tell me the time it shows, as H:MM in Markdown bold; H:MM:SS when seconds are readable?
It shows **10:52**
